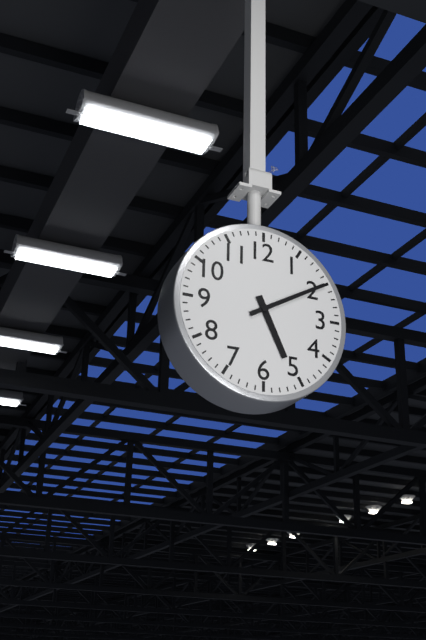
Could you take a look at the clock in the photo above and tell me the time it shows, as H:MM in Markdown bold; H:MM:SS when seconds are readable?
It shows **5:10**
